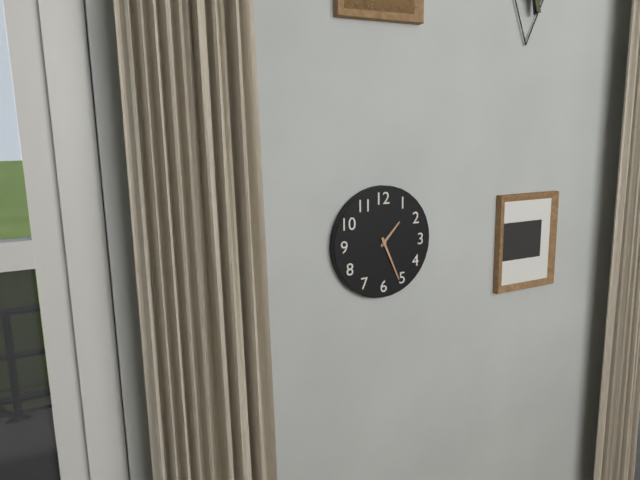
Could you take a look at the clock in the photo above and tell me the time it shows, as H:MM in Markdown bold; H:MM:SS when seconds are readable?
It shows **1:26**
